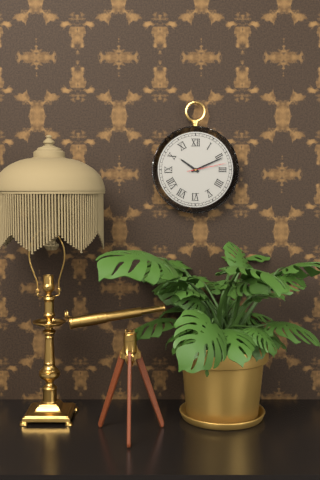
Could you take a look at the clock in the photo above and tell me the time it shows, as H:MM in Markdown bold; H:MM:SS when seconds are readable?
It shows **10:11**
